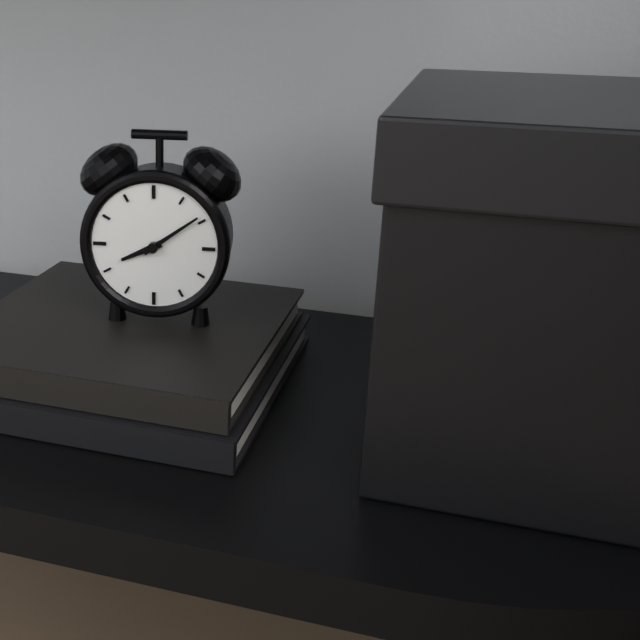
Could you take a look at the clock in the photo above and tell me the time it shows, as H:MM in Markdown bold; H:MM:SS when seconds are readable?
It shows **8:09**
